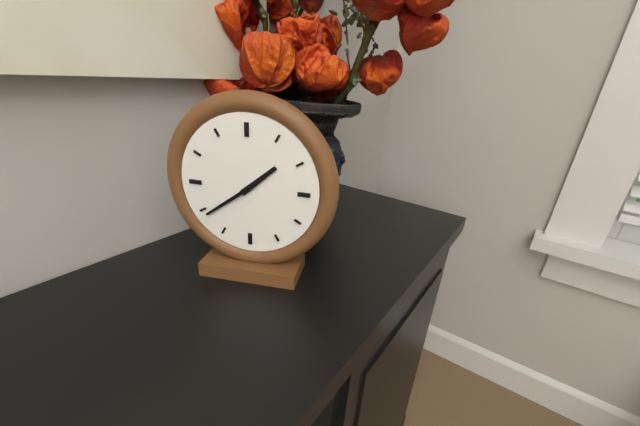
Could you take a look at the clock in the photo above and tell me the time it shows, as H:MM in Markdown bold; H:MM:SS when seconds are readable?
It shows **1:39**
